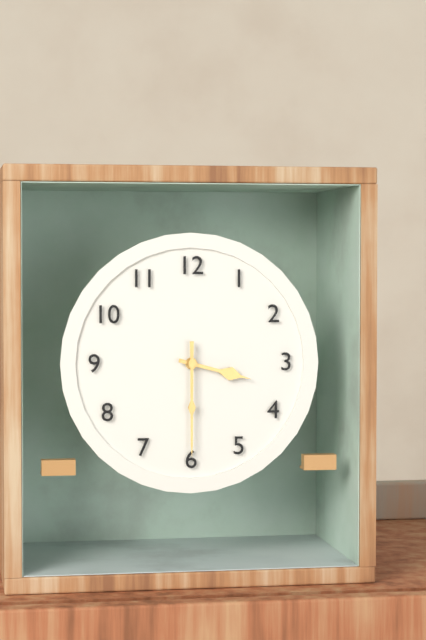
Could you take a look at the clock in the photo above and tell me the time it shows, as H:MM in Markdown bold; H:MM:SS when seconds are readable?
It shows **3:30**
